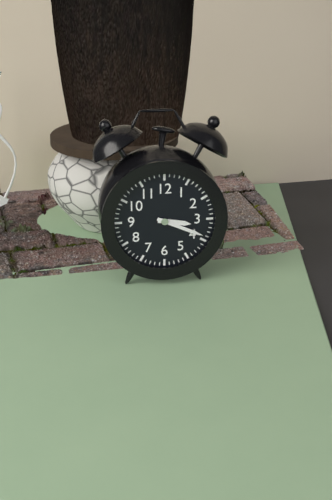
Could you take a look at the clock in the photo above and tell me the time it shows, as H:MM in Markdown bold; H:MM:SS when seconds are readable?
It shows **3:19**
